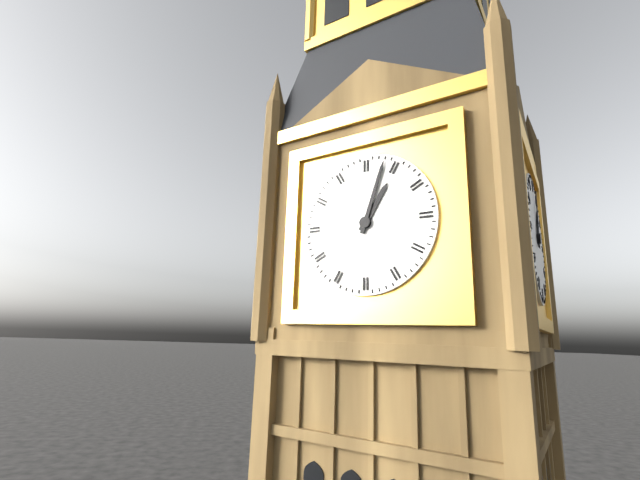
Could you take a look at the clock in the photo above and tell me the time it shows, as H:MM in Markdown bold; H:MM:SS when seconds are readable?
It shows **1:03**
